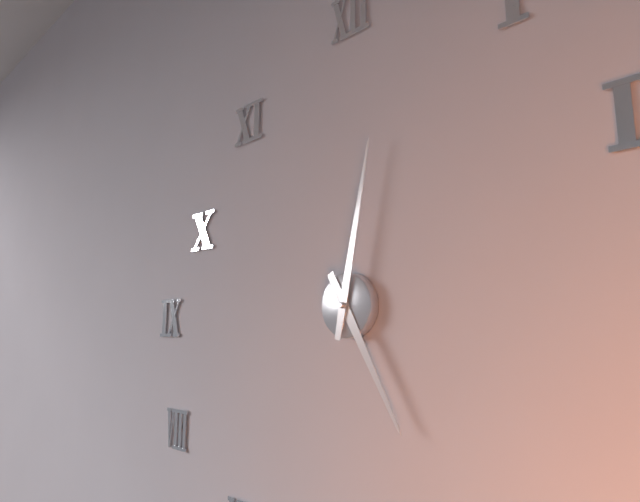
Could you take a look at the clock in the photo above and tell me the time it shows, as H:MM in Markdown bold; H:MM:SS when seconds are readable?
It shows **5:02**
